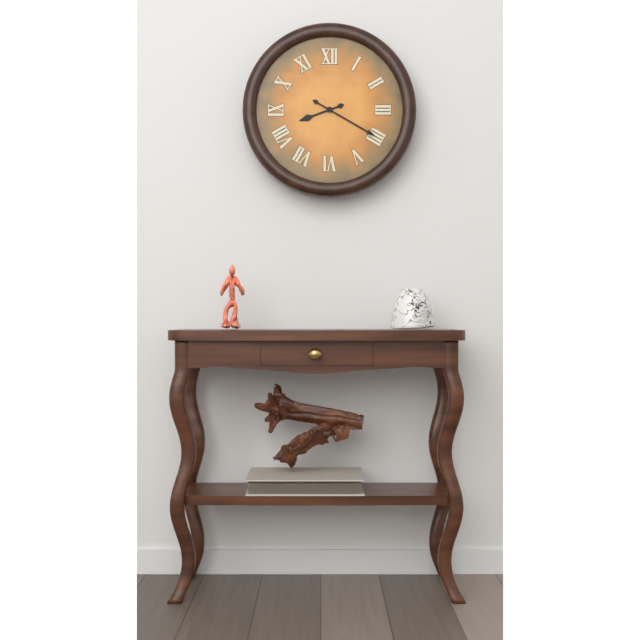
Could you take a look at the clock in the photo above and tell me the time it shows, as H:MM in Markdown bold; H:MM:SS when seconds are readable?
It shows **8:20**
